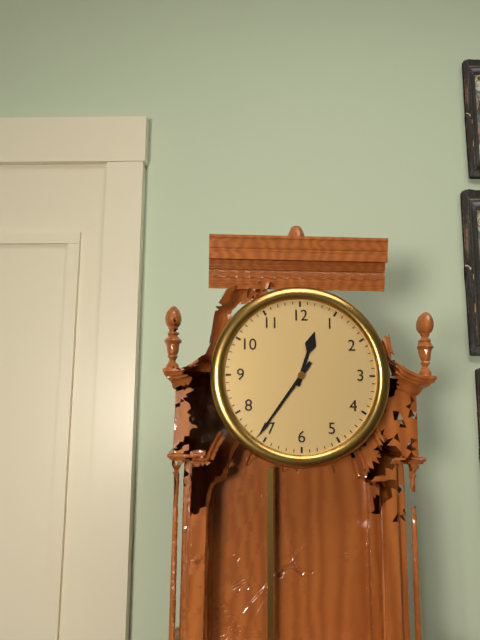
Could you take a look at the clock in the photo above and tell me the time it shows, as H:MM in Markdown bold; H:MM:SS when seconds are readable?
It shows **12:36**
